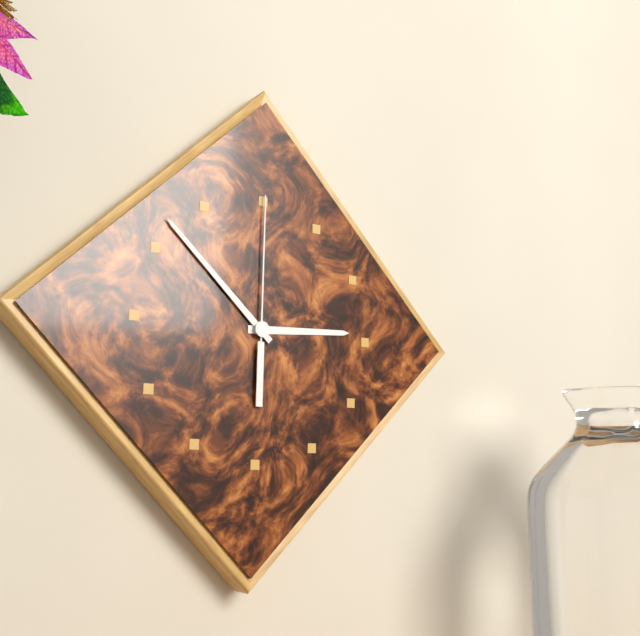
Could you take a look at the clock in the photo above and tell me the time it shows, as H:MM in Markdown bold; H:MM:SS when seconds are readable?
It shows **2:52:00**
